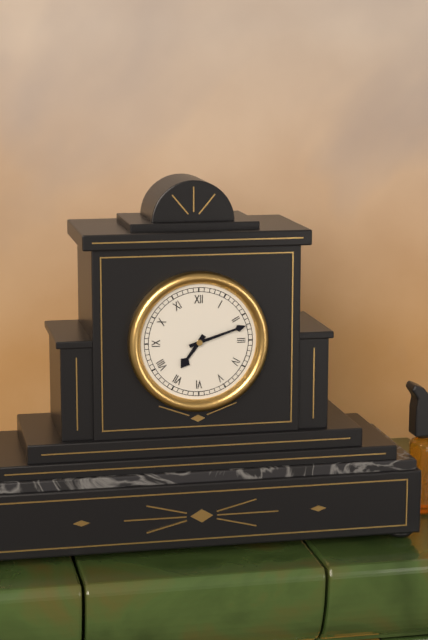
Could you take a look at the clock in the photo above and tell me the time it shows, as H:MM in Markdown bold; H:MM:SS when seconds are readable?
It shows **7:12**
